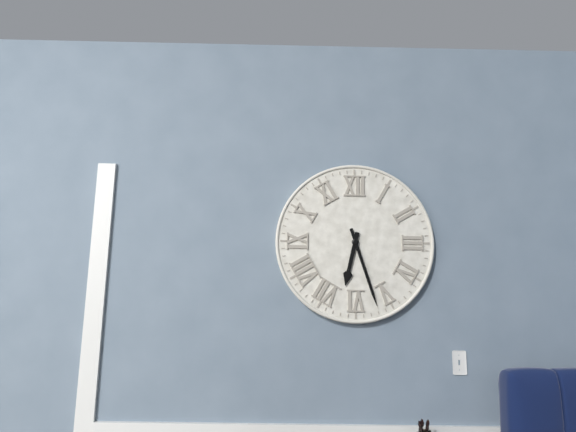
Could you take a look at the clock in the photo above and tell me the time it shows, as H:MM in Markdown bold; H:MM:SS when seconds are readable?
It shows **6:27**
